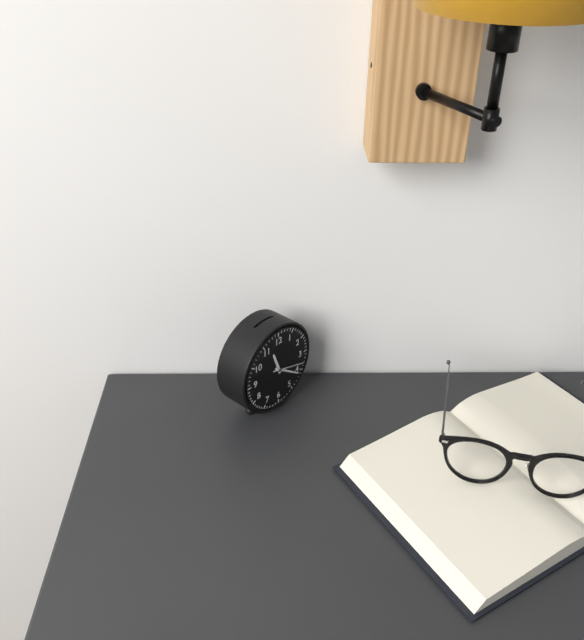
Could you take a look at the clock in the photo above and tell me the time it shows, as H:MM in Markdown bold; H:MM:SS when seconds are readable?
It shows **11:21**
